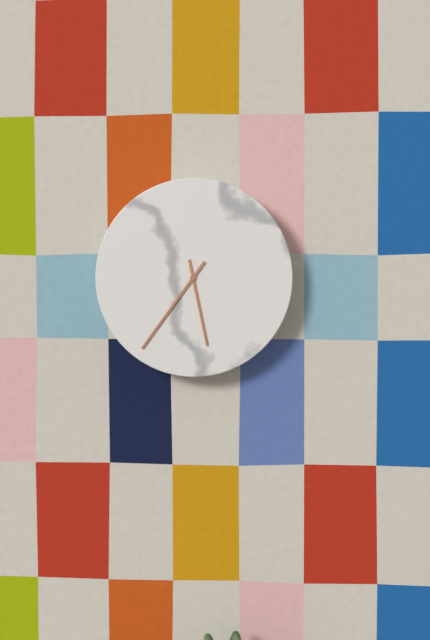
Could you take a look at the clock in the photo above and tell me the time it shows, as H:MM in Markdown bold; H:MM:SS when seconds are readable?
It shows **5:36**
